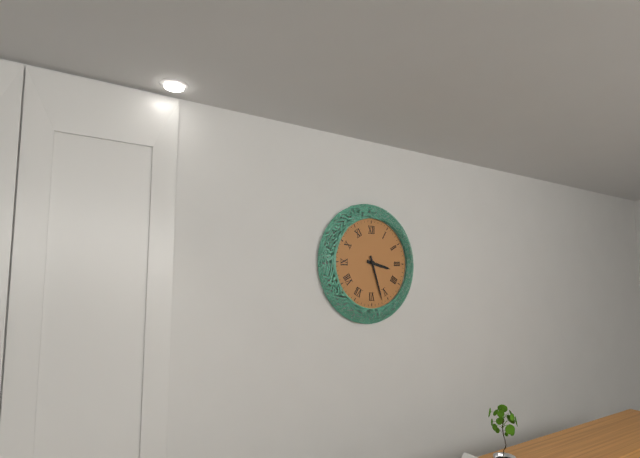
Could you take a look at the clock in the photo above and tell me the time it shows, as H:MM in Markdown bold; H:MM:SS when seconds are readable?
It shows **3:27**
